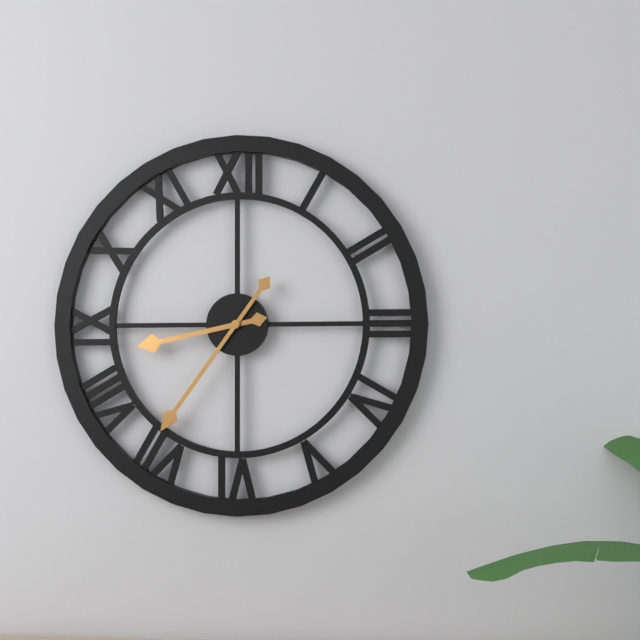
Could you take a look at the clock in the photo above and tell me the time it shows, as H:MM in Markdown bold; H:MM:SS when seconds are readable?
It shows **8:36**
